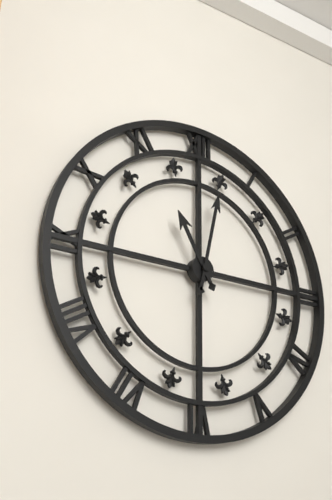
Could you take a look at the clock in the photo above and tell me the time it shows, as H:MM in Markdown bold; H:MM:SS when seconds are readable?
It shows **11:02**
